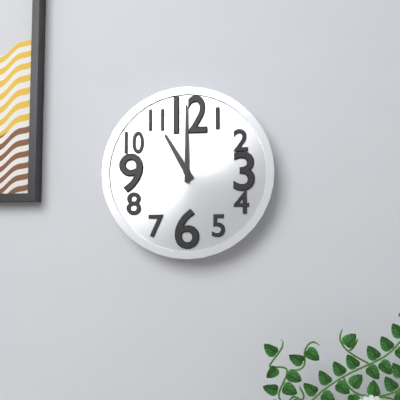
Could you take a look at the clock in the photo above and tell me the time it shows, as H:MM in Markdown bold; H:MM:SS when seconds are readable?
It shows **11:00**
